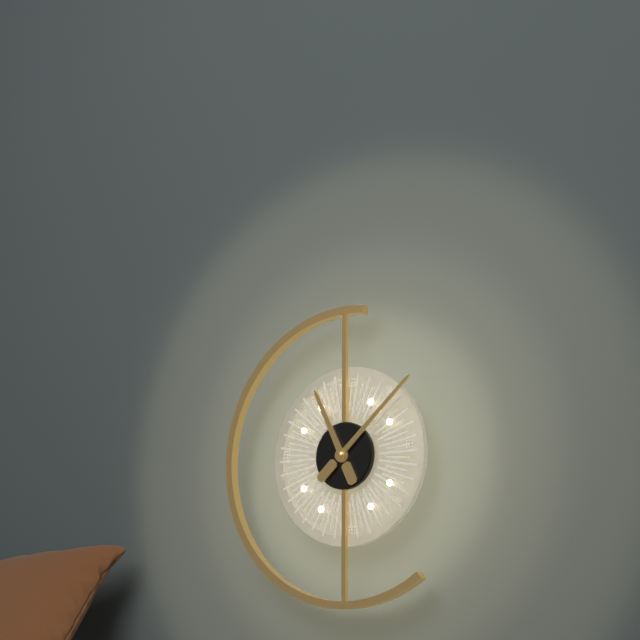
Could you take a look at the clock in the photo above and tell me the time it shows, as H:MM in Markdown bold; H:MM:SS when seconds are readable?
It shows **11:08**
